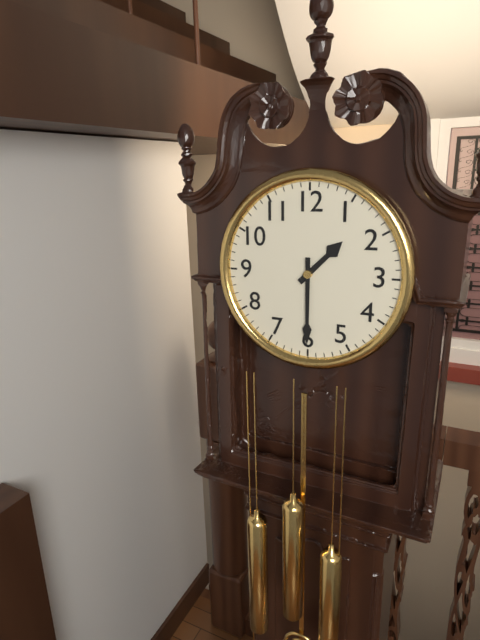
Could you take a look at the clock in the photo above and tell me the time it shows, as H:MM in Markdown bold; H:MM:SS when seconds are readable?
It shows **1:30**
